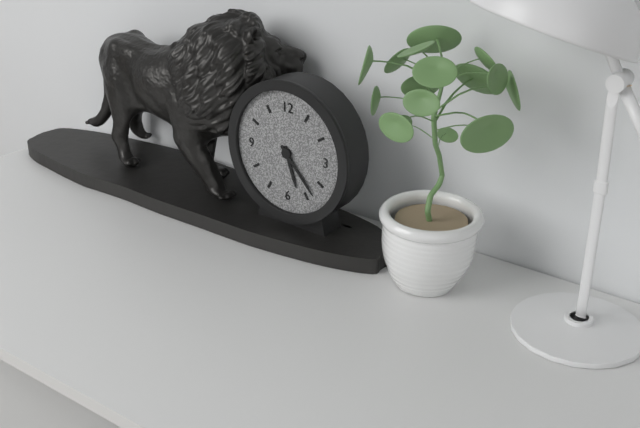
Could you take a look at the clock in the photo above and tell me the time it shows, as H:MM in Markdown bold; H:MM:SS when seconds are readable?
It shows **5:23**
